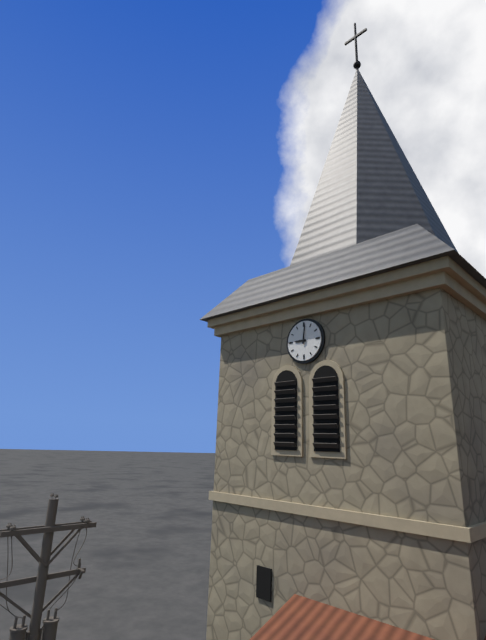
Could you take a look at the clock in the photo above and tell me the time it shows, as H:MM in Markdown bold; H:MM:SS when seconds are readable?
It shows **9:01**
